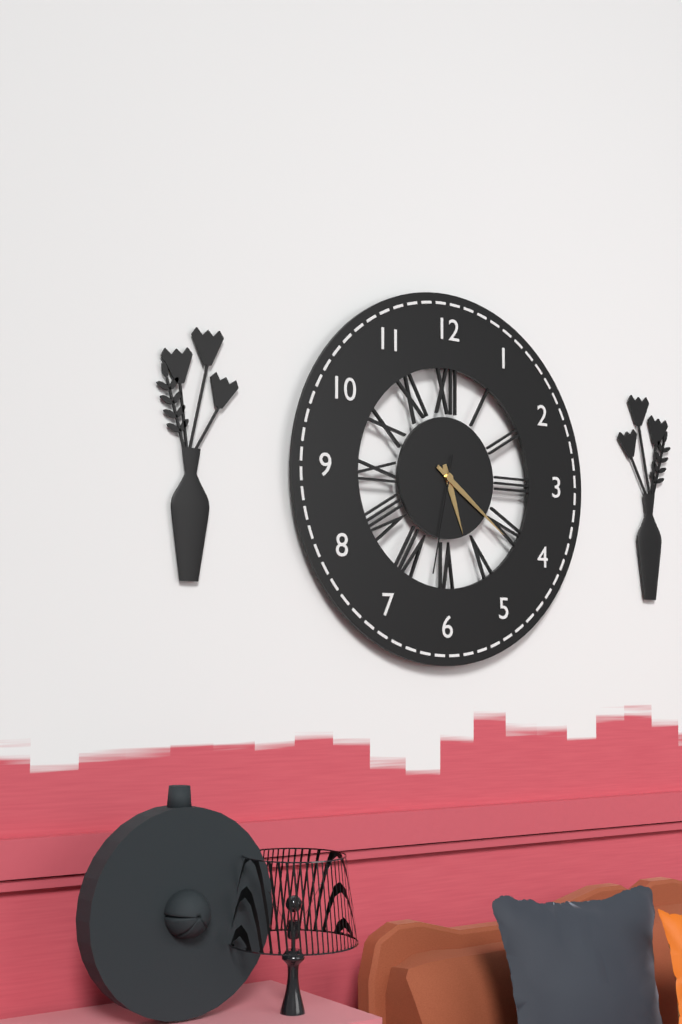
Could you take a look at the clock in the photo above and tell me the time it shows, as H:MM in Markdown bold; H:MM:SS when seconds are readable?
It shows **5:21:32**
